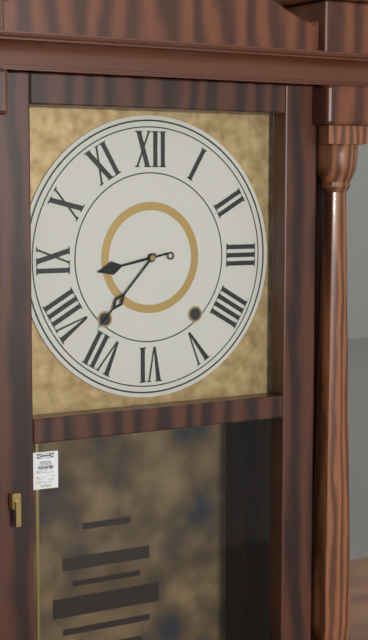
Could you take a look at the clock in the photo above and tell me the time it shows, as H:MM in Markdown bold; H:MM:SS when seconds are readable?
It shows **8:37**
